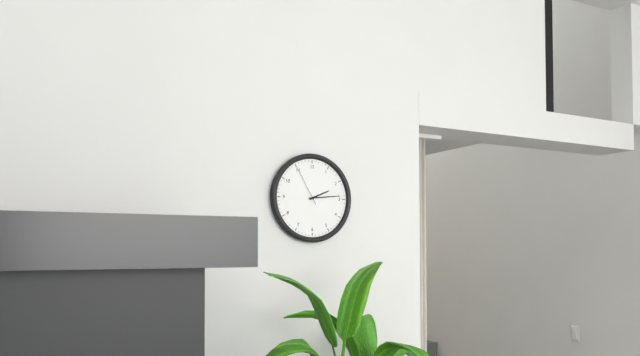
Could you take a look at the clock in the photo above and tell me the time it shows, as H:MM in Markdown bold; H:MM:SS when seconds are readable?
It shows **2:14**
